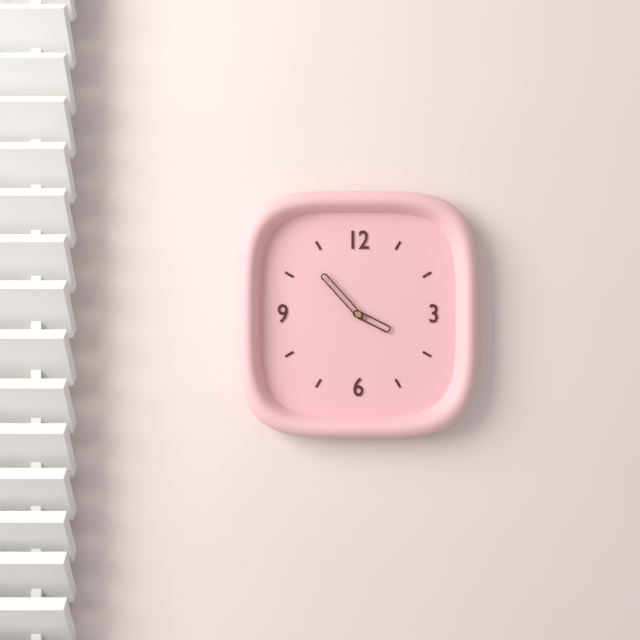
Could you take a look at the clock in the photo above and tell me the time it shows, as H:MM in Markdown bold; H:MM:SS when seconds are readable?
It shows **3:53**
